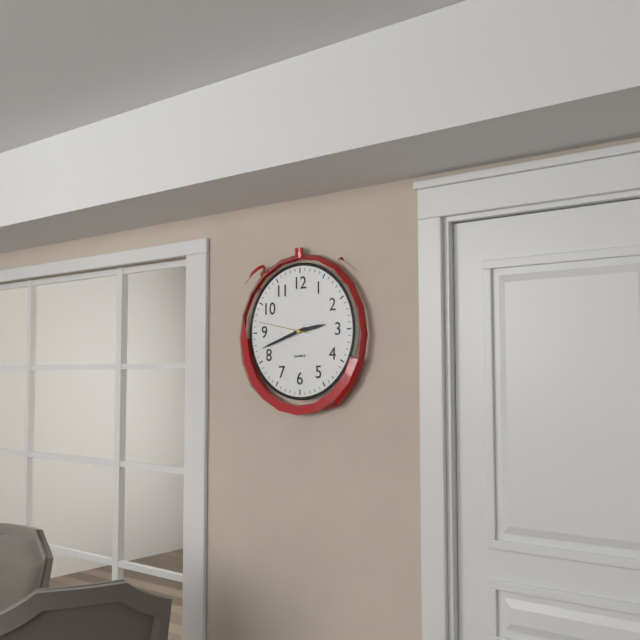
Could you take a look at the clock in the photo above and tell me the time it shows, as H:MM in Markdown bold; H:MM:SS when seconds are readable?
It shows **2:42:47**
